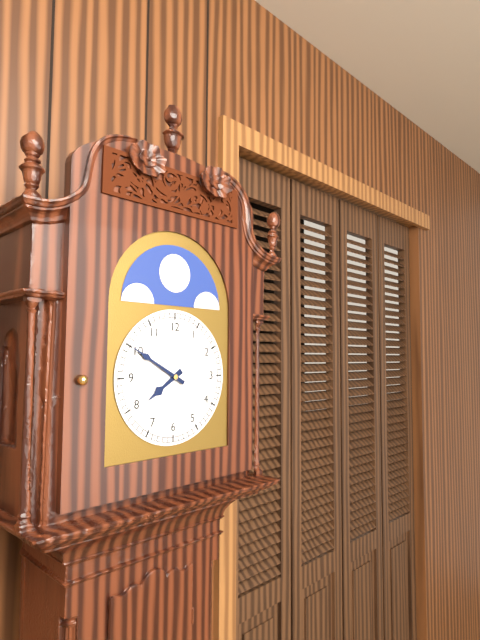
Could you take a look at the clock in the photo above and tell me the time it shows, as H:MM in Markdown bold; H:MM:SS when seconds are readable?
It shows **7:50**
